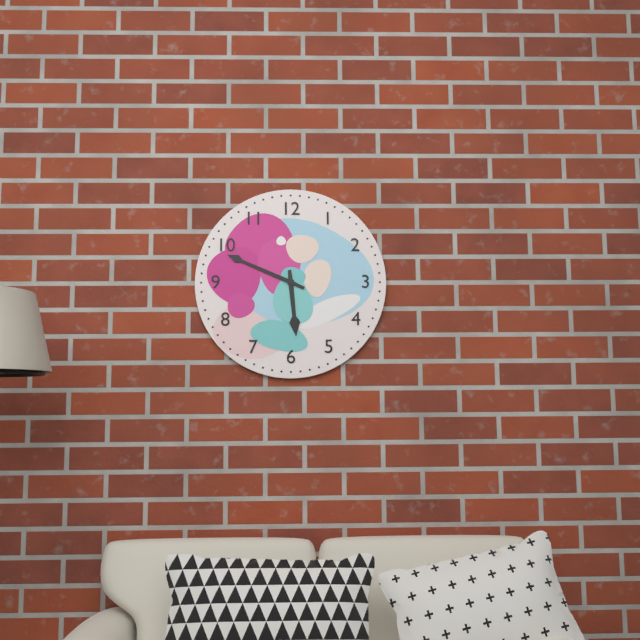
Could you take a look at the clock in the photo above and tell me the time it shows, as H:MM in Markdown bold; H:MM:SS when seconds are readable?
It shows **5:49**
